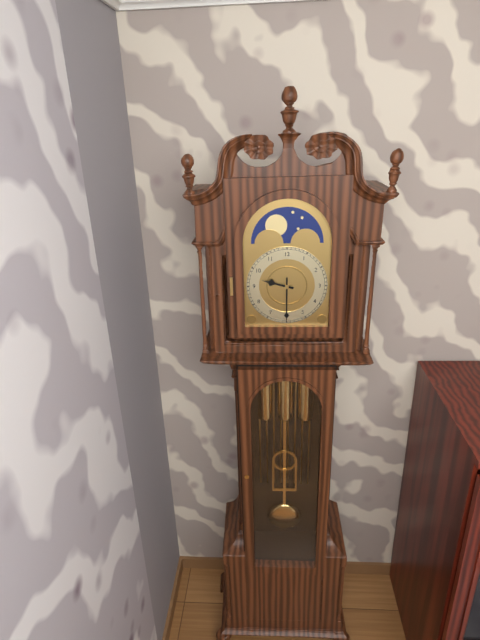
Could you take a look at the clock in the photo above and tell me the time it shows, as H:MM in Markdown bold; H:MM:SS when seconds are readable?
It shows **9:30**
